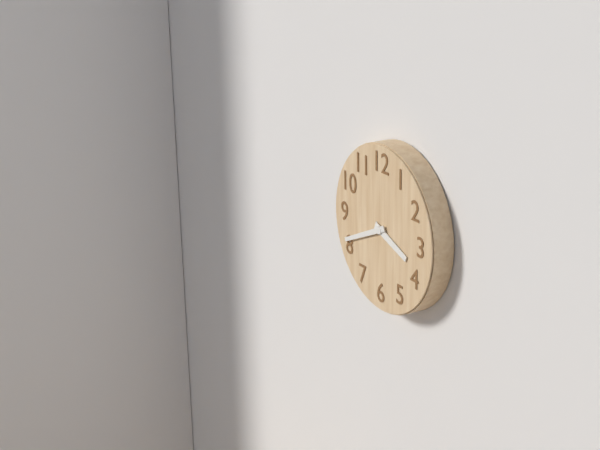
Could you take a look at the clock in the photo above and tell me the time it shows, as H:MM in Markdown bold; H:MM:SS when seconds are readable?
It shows **3:41**
